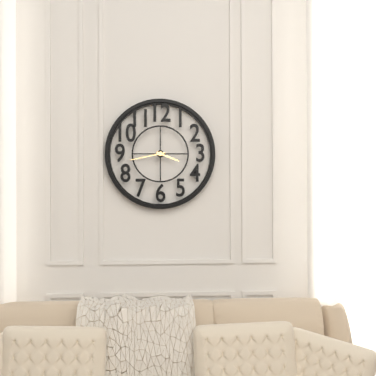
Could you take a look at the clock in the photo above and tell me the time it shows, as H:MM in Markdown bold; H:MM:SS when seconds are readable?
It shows **3:43**
